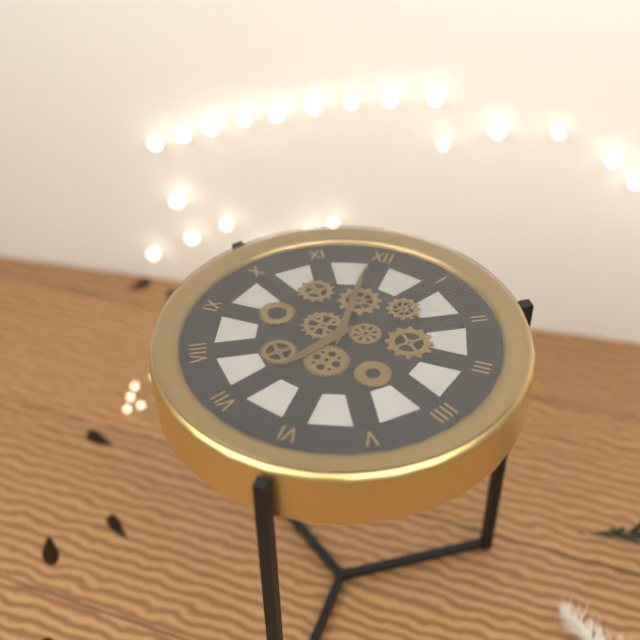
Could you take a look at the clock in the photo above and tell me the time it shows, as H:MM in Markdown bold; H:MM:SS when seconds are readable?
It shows **6:59**
